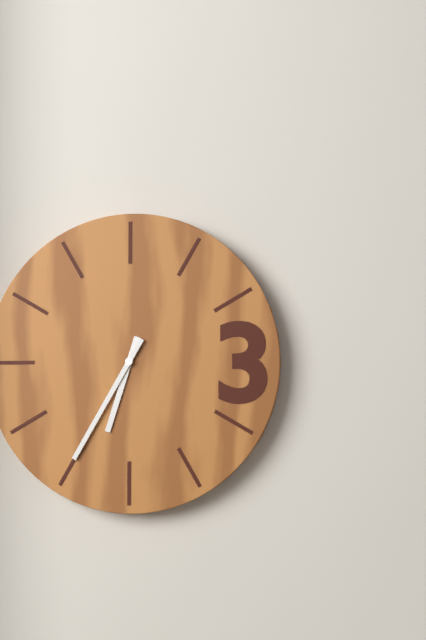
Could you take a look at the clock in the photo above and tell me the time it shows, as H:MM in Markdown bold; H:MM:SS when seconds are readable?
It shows **6:35**
